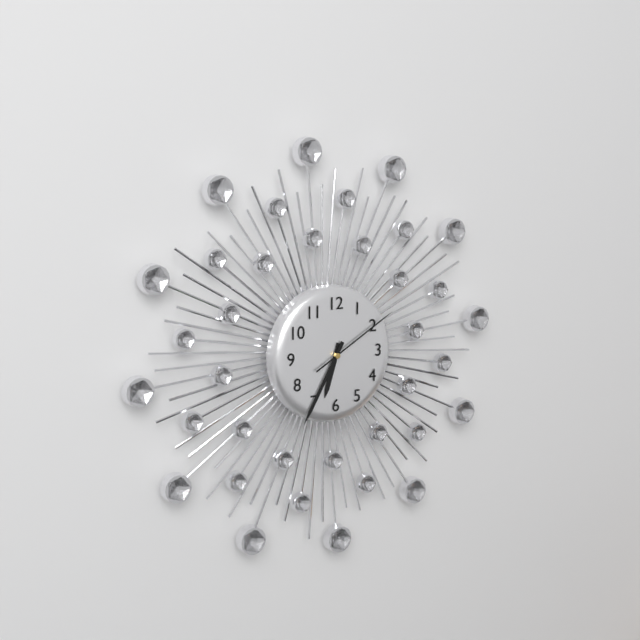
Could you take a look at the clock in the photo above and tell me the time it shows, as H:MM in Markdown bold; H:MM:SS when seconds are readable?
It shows **6:35:10**
